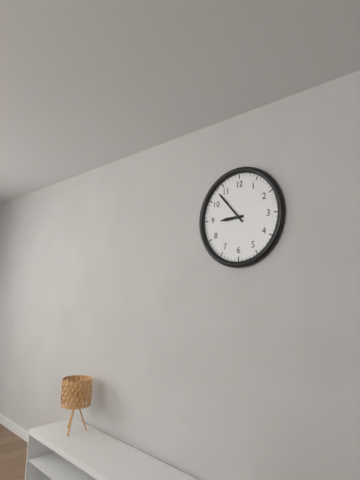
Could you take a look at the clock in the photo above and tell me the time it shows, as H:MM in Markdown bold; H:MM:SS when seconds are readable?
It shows **8:53**
